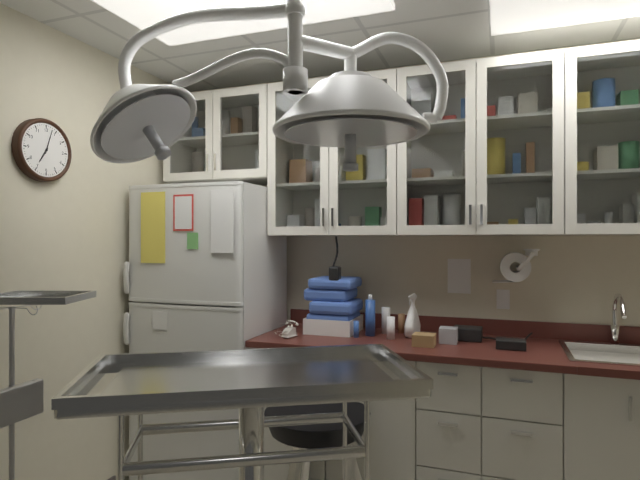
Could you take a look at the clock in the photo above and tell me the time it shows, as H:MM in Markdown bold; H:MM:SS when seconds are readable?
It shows **7:03**
